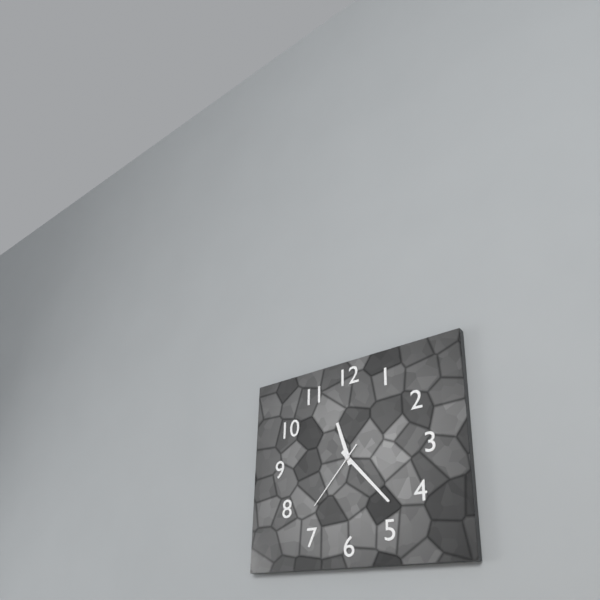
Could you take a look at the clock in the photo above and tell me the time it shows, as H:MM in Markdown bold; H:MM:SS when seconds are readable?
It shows **11:23:37**
